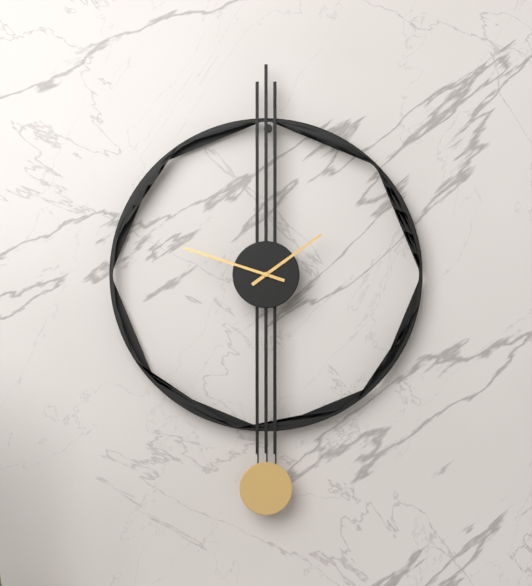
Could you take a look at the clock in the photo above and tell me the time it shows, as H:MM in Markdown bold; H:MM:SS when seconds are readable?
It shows **1:48**
